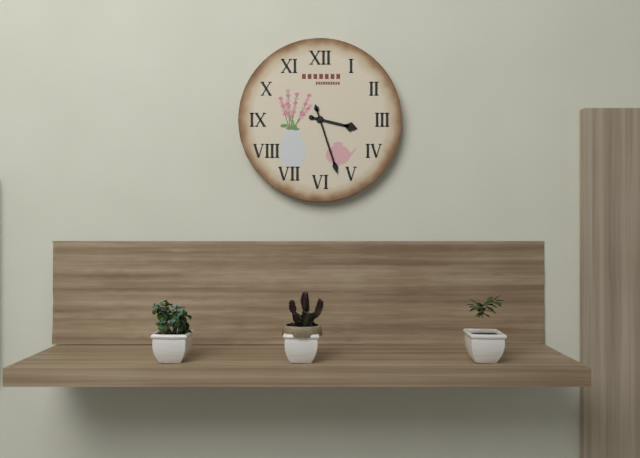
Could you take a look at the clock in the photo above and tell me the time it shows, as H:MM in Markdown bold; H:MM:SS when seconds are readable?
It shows **3:27**
